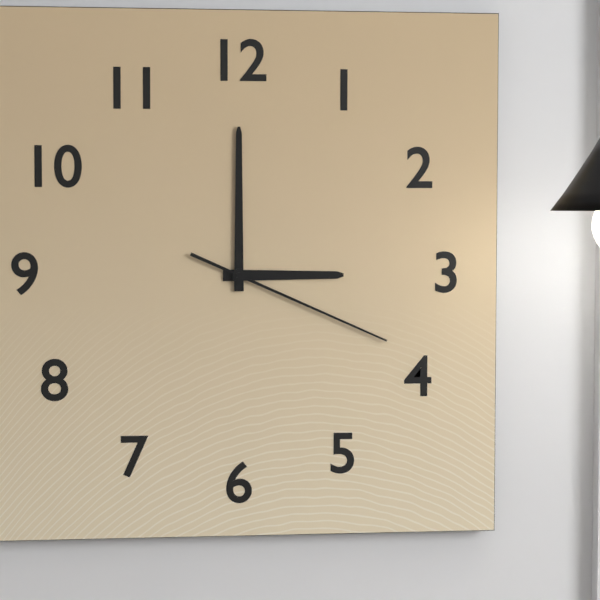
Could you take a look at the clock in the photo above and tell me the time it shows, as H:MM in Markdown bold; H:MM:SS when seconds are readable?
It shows **3:00:19**
